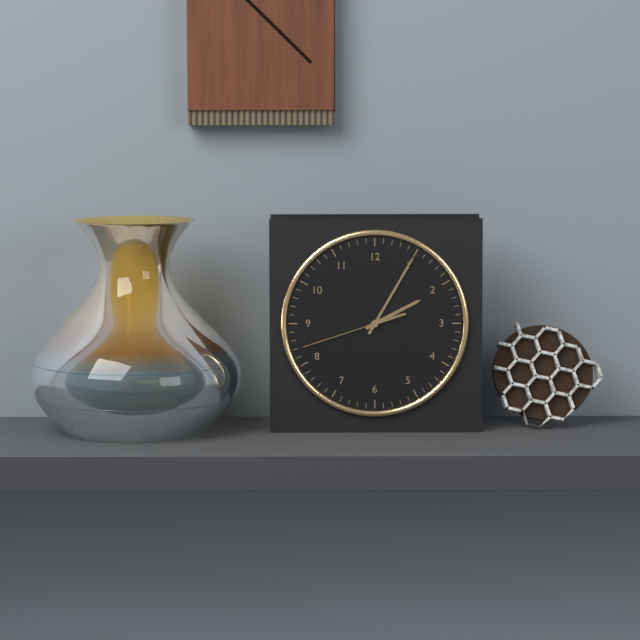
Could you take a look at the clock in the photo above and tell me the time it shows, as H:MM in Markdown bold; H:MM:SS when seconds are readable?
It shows **2:05:42**
